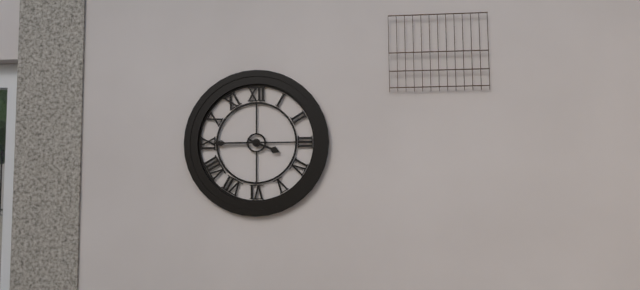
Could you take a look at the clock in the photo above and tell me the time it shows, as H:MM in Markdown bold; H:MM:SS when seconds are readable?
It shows **3:45**
